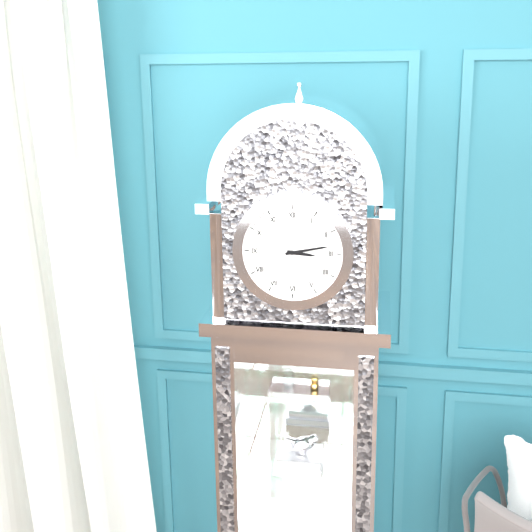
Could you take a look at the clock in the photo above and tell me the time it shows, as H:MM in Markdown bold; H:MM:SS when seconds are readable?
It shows **3:13**
